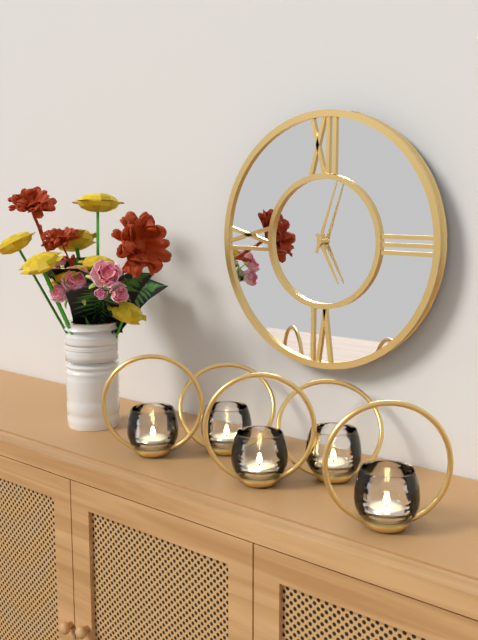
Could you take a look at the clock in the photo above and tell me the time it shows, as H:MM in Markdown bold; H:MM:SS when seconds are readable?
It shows **5:03**
